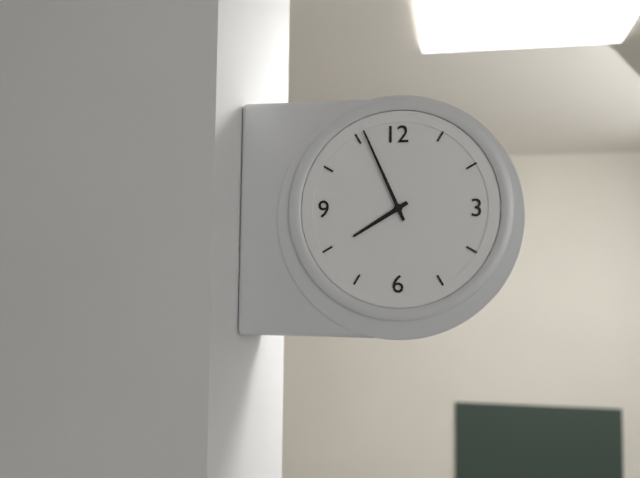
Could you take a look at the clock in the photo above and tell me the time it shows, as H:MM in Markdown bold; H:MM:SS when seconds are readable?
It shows **7:56**
